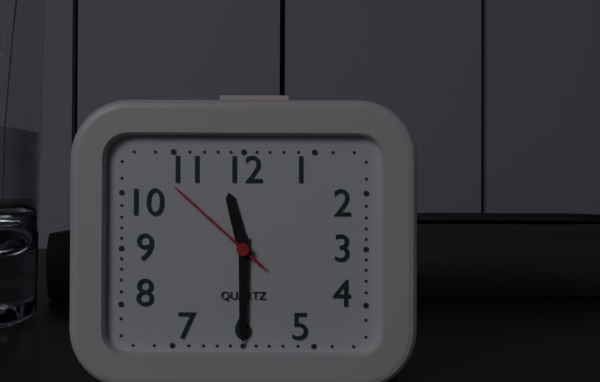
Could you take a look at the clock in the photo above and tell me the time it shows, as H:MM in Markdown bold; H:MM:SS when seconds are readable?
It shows **11:30:52**
